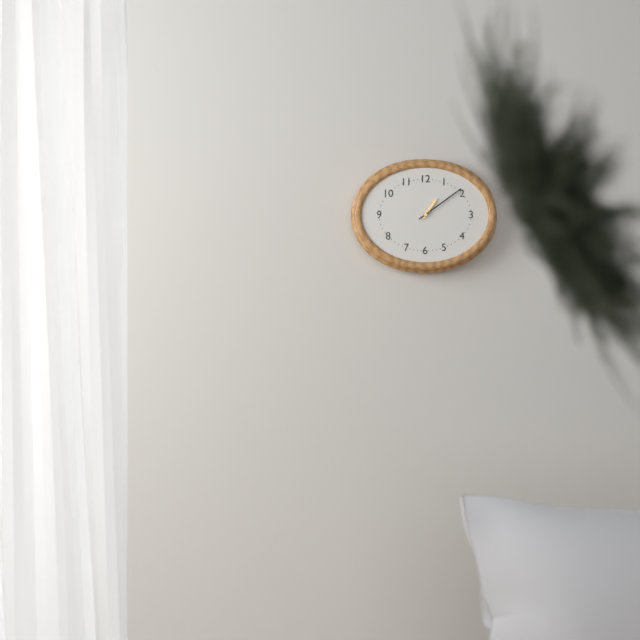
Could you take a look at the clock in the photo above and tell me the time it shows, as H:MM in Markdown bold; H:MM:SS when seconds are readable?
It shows **1:09**
